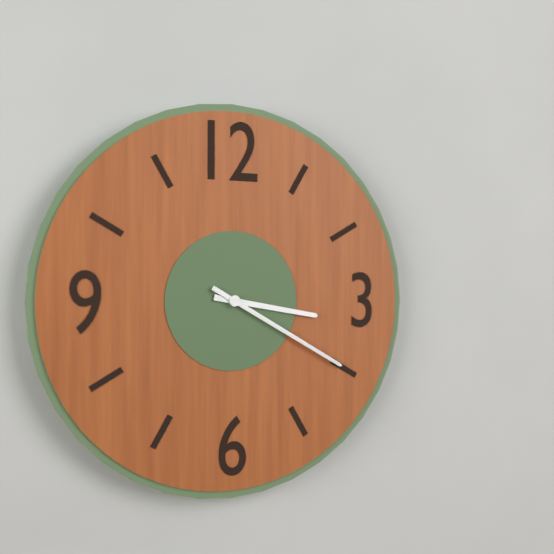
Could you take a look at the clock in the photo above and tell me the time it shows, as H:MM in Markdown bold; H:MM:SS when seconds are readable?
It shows **3:20**
